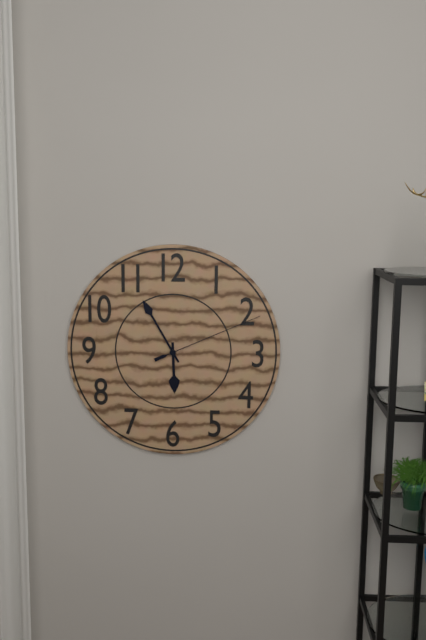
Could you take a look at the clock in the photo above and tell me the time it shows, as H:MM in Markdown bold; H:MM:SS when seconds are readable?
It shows **5:55:11**
